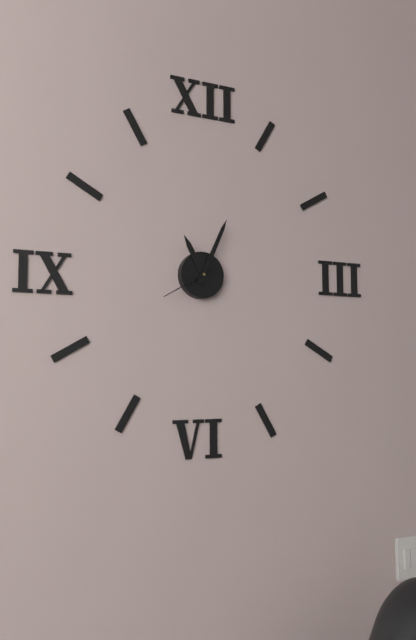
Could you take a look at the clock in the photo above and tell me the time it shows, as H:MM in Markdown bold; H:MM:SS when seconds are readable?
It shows **11:04:40**
